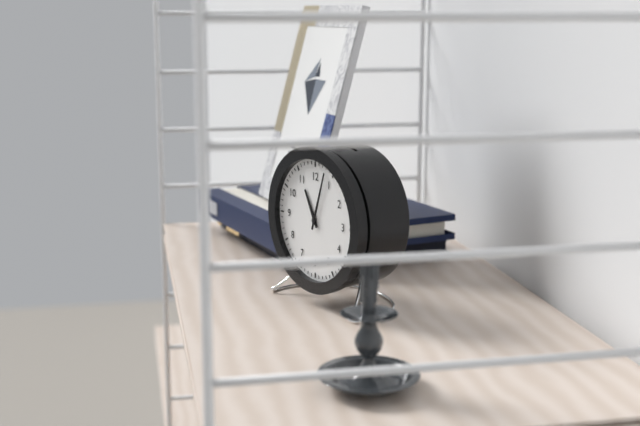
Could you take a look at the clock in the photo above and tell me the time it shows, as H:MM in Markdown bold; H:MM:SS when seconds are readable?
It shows **11:03**
